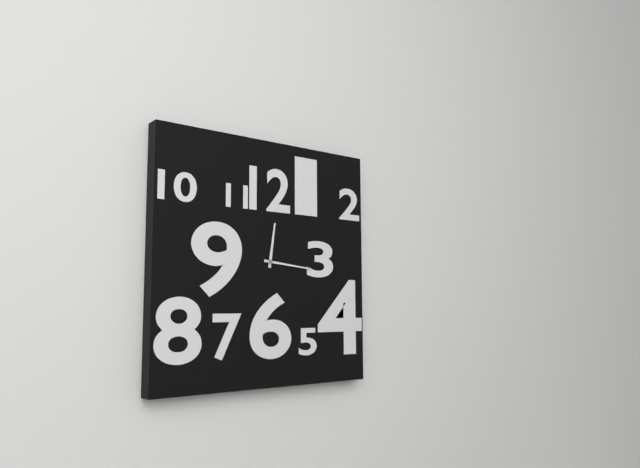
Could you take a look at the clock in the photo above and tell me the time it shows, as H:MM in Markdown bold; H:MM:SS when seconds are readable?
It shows **12:16**
